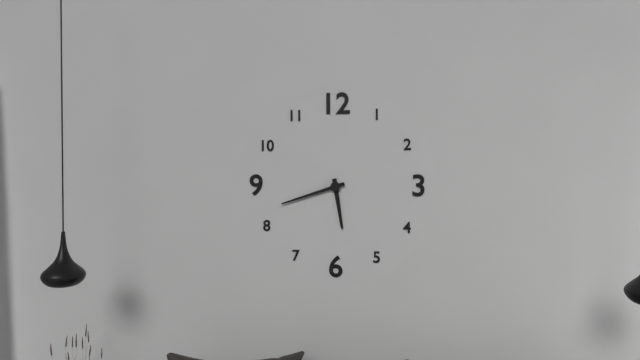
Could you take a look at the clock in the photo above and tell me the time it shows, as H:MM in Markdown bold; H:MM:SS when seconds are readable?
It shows **5:42**
